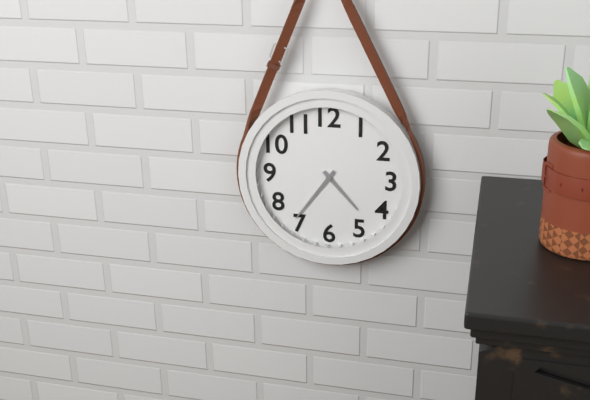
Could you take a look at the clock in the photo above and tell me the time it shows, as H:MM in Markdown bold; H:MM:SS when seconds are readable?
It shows **4:36**
